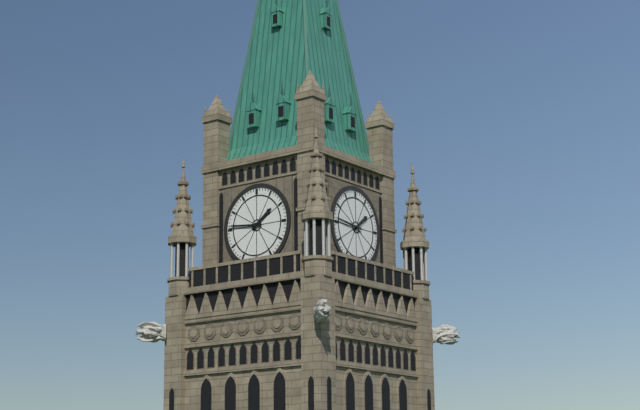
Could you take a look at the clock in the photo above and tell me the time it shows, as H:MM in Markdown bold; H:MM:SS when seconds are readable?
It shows **1:46**
